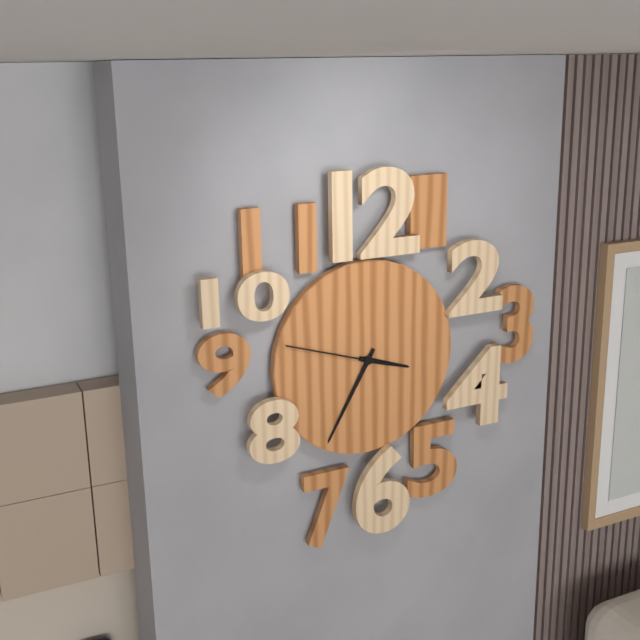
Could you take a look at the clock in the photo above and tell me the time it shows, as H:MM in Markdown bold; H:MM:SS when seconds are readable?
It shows **3:35:48**
